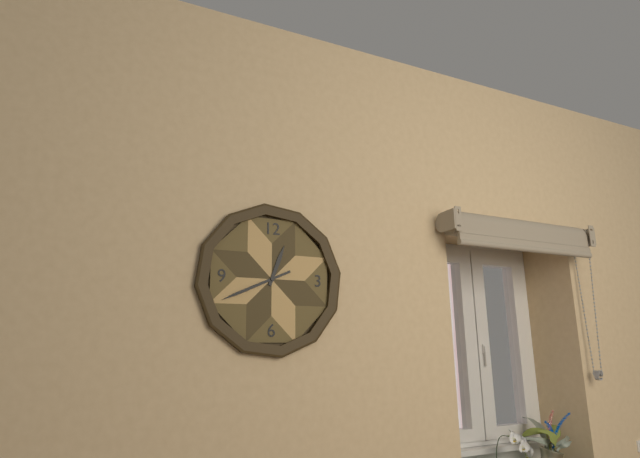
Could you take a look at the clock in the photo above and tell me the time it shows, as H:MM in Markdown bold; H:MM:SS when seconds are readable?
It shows **12:41**
